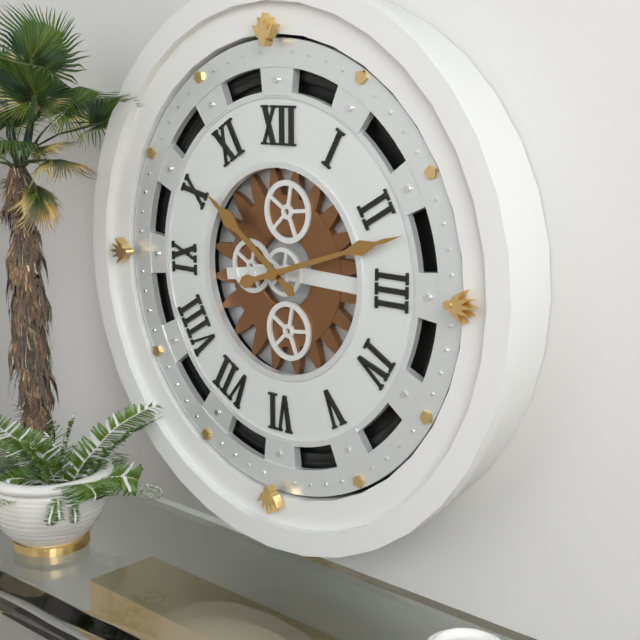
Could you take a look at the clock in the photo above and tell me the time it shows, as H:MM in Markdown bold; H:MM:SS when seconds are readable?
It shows **10:12**
